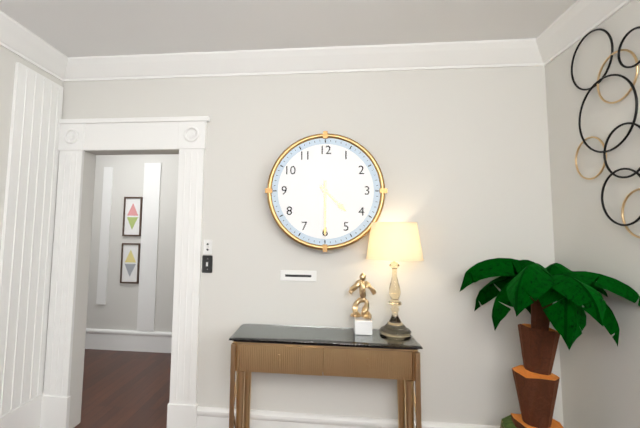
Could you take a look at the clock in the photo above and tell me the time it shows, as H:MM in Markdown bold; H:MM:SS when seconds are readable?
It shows **4:30**
